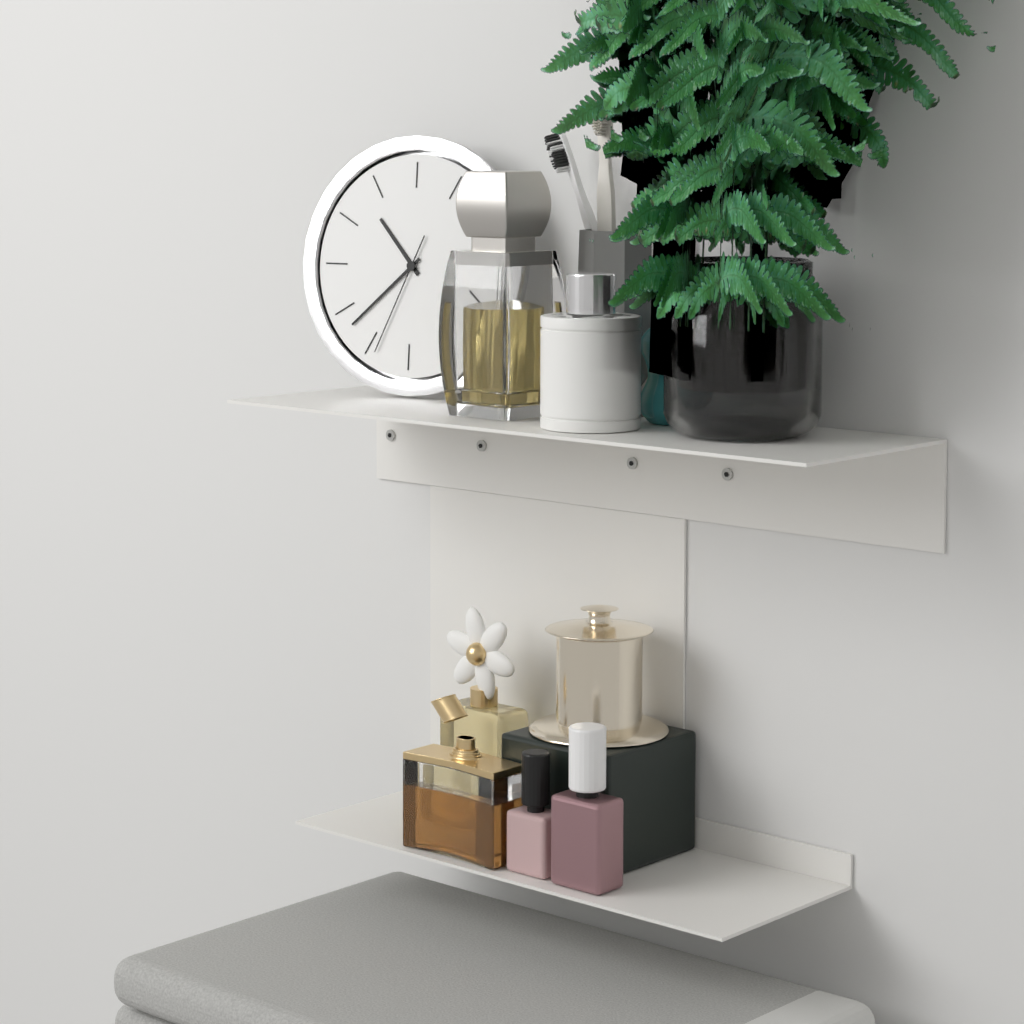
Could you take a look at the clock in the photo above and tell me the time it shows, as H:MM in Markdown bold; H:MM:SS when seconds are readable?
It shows **10:38:34**
